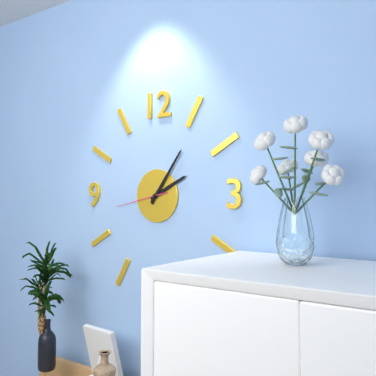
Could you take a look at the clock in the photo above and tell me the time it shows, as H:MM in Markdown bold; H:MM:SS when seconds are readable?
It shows **2:06:43**
